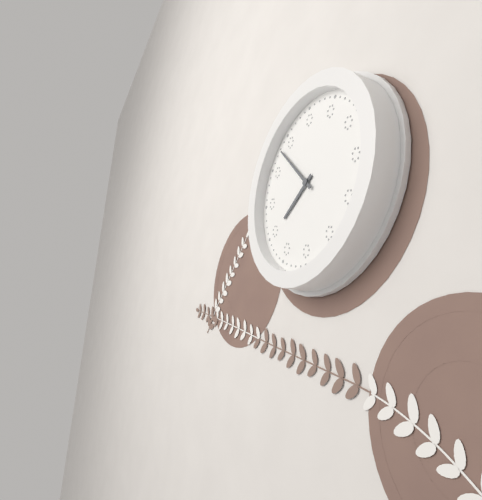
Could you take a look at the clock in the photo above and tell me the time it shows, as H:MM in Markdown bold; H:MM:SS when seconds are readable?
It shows **7:53**
